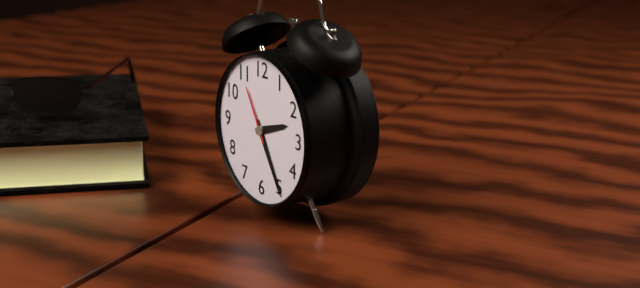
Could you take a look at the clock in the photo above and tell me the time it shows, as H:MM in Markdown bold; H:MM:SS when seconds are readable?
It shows **2:25:55**
